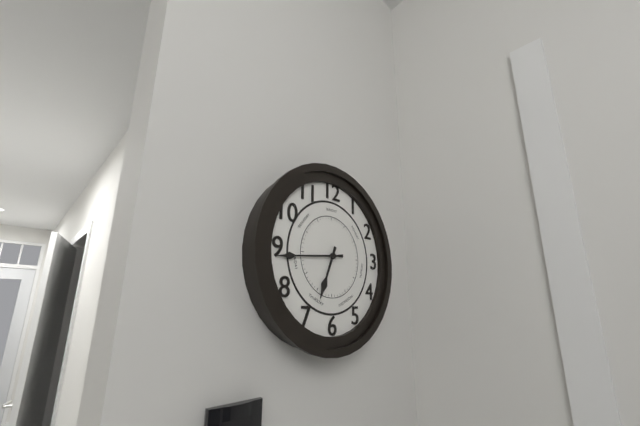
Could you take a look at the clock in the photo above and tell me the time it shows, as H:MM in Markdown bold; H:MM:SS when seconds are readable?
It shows **6:44**
